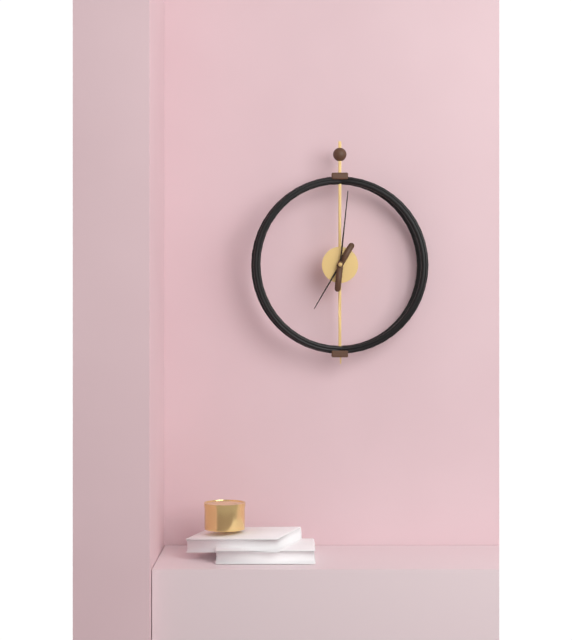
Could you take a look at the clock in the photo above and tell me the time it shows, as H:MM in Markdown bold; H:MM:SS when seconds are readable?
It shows **7:01**
